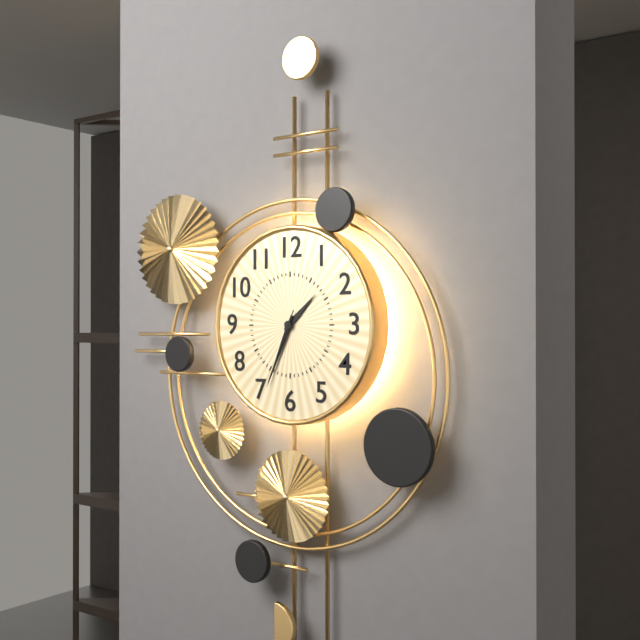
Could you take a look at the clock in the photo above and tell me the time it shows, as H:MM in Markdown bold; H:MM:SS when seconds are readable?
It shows **1:34:34**
